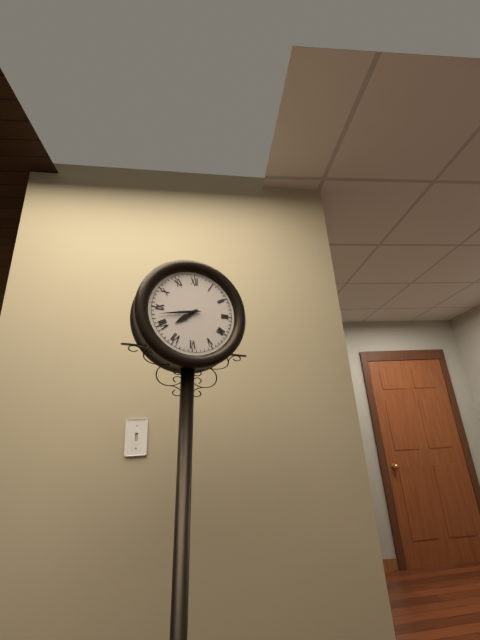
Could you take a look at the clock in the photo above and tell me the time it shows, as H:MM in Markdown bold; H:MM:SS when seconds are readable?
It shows **7:43**
